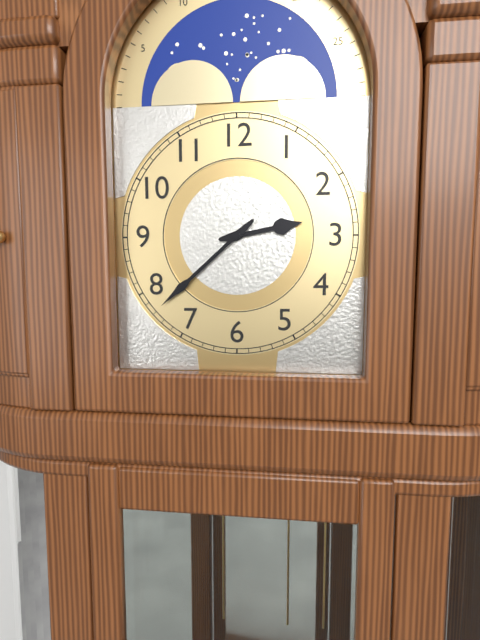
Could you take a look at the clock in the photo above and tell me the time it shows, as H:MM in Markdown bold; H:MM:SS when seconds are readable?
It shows **2:38**
